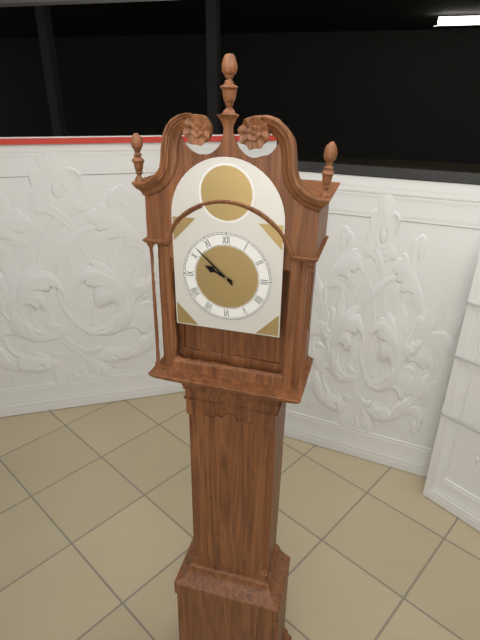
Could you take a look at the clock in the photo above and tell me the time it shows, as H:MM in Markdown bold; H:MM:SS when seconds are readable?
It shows **9:52**
